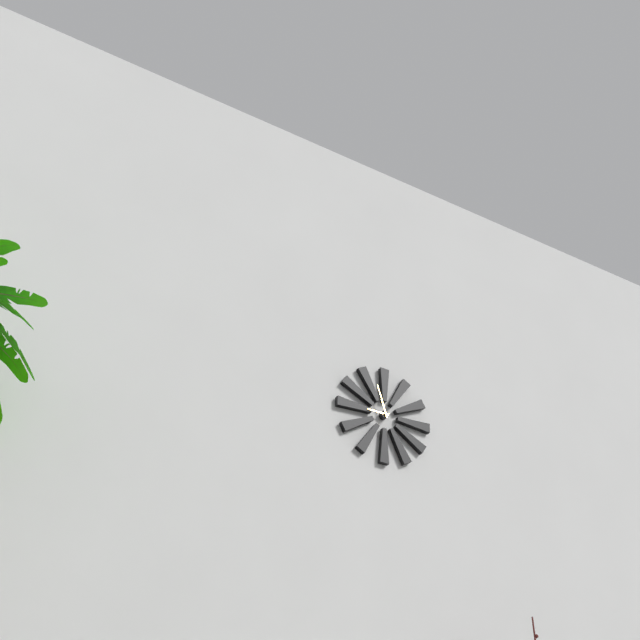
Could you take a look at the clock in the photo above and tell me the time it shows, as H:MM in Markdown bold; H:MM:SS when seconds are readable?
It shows **8:57**
